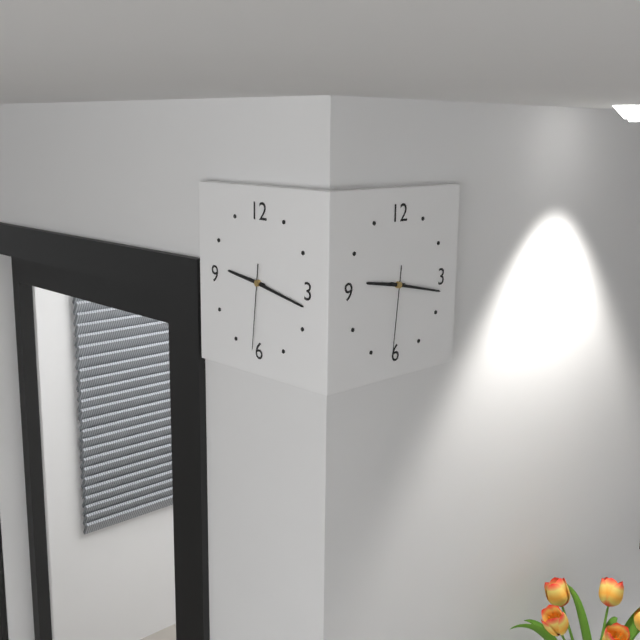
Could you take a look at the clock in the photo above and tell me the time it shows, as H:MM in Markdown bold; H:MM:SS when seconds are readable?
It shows **9:17:31**
